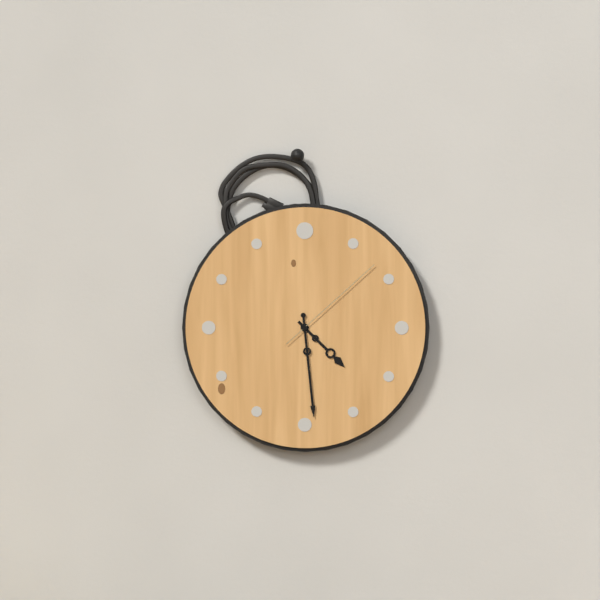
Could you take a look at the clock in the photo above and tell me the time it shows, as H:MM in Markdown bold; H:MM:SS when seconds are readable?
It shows **4:29:08**
